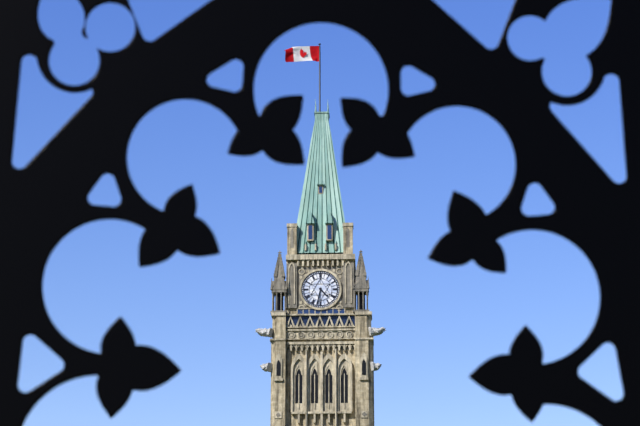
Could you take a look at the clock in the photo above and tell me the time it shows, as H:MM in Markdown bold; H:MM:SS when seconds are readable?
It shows **4:32**
